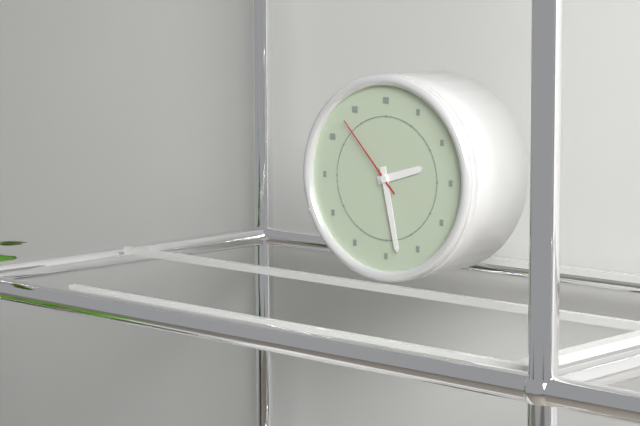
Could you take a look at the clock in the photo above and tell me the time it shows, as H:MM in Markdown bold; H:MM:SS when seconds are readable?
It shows **2:28:53**
